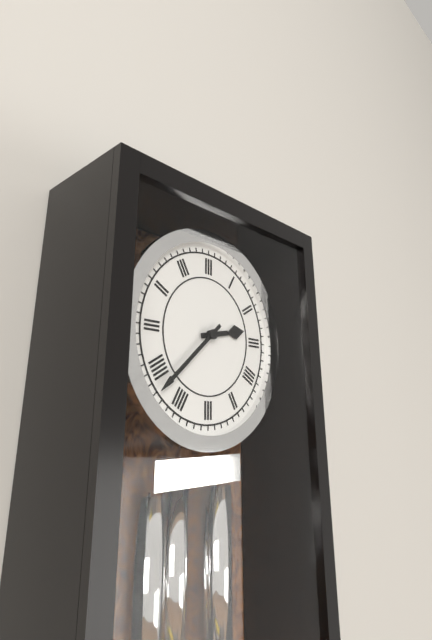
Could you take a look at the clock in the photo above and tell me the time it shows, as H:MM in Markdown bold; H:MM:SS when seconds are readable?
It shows **2:38**
